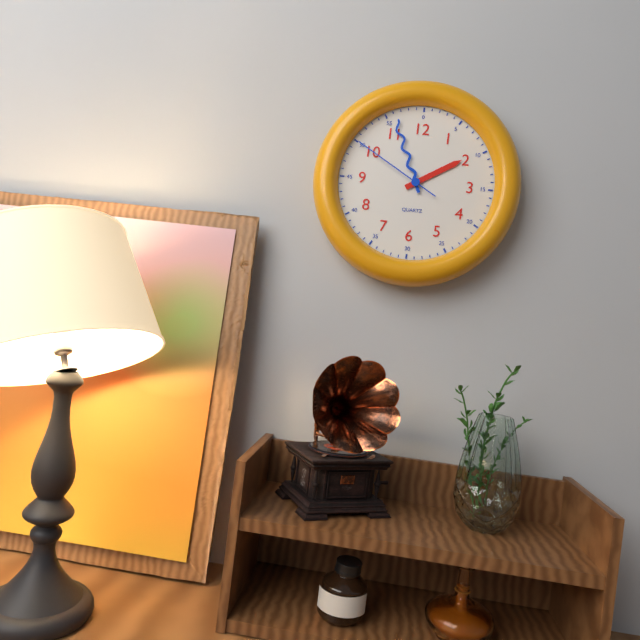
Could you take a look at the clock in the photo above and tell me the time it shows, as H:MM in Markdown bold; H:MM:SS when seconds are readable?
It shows **1:56:50**
